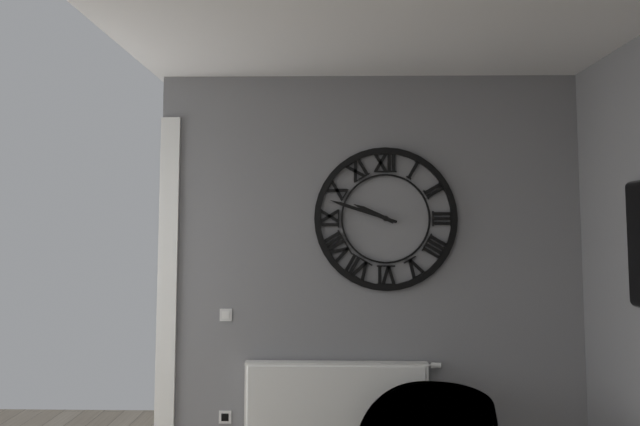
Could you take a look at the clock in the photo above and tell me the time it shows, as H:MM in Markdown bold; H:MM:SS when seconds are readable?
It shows **9:48**
